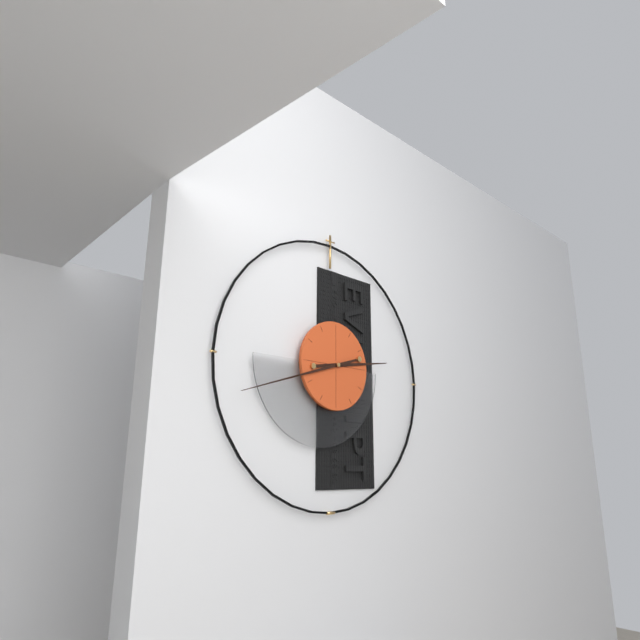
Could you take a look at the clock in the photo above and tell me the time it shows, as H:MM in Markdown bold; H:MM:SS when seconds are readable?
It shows **2:42**
